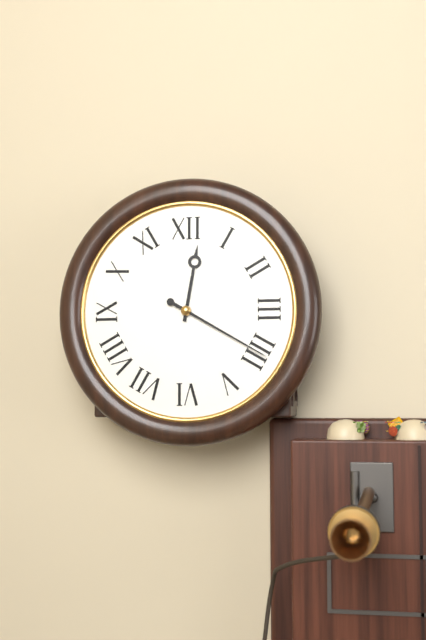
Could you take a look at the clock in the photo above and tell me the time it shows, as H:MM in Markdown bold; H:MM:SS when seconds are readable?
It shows **12:20**
